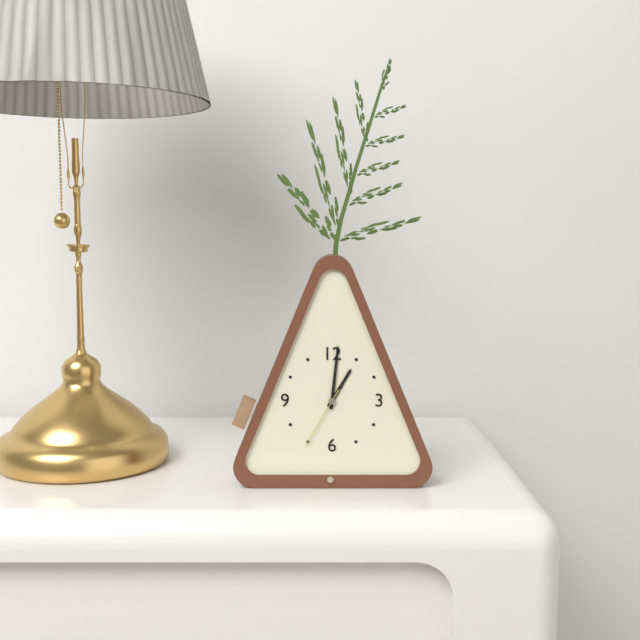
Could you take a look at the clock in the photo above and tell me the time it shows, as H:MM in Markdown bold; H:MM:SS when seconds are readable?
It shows **1:01:35**
